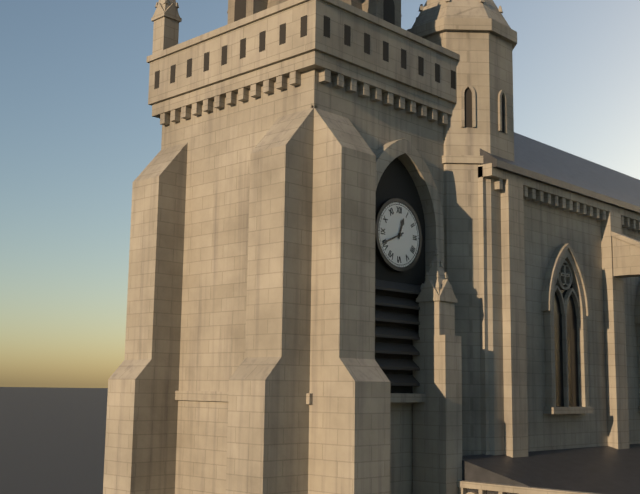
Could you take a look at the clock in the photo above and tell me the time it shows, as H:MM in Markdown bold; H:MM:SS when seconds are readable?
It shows **12:41**
